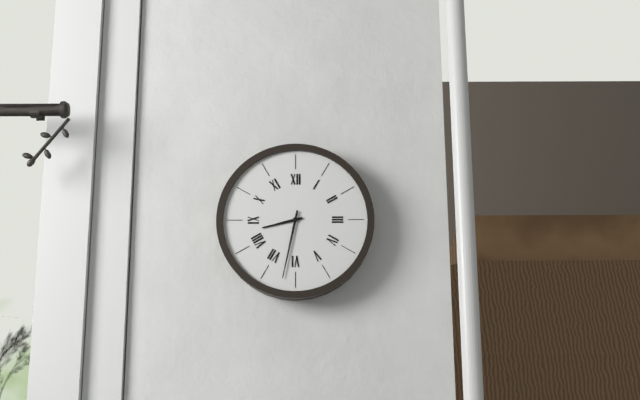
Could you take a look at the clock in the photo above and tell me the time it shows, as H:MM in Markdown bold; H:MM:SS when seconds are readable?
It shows **8:32**
